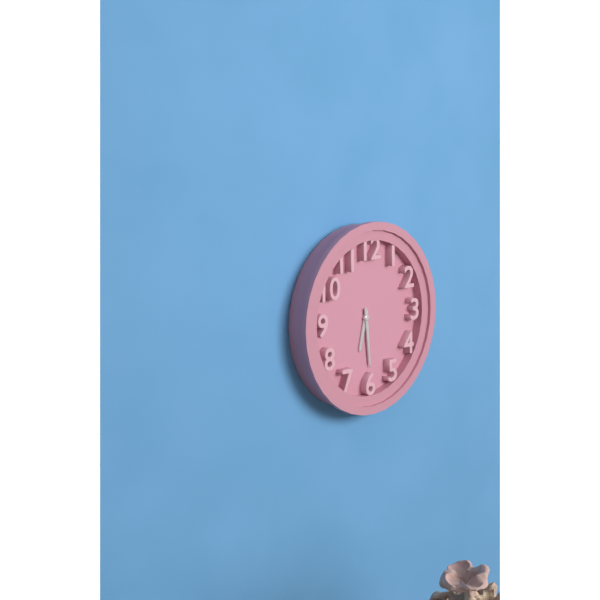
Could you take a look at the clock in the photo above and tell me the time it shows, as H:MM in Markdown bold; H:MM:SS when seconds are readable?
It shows **6:29**
